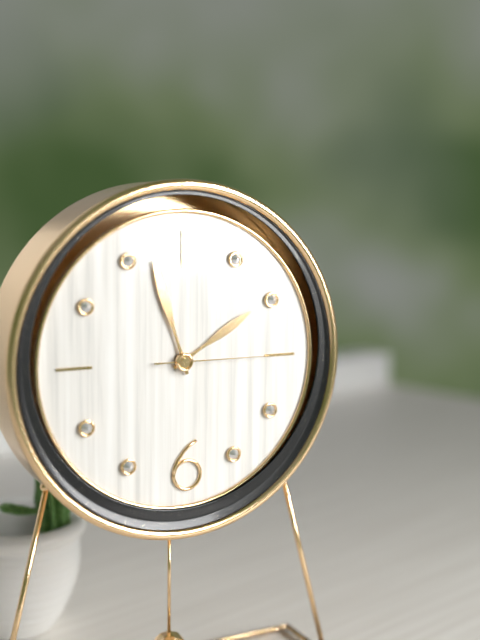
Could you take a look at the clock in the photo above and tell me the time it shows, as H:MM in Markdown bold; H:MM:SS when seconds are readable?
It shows **1:57:15**
